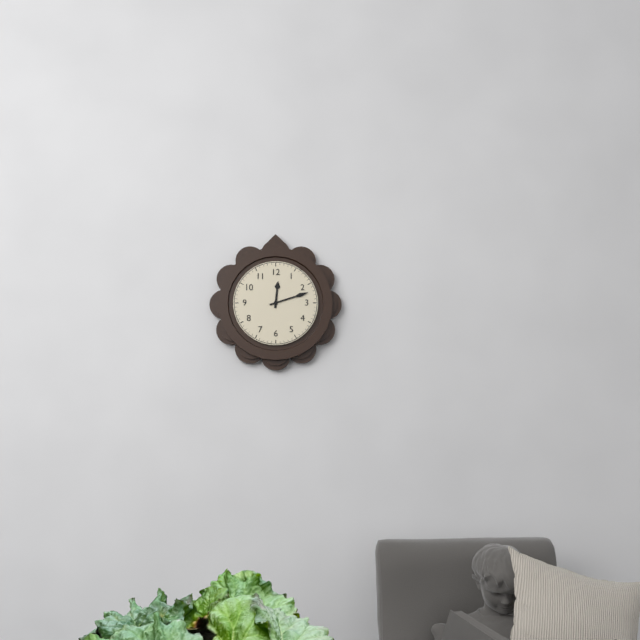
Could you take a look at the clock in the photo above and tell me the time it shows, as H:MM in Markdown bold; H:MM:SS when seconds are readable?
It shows **12:12**
